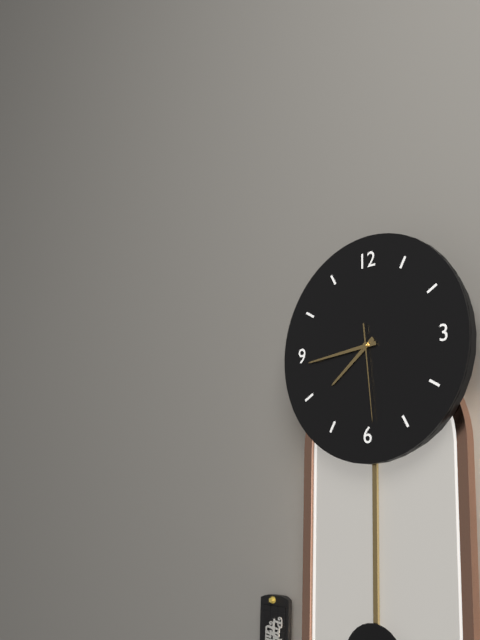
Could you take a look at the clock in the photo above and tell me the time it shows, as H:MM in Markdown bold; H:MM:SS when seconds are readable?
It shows **7:44:29**
